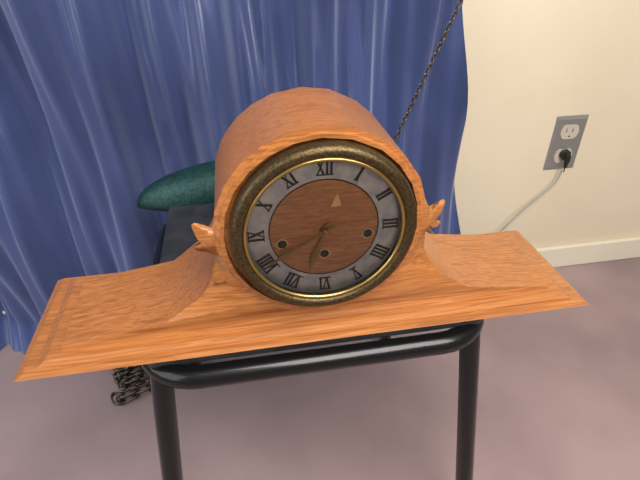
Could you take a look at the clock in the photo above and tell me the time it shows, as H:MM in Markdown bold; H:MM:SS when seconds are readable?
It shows **6:40**
